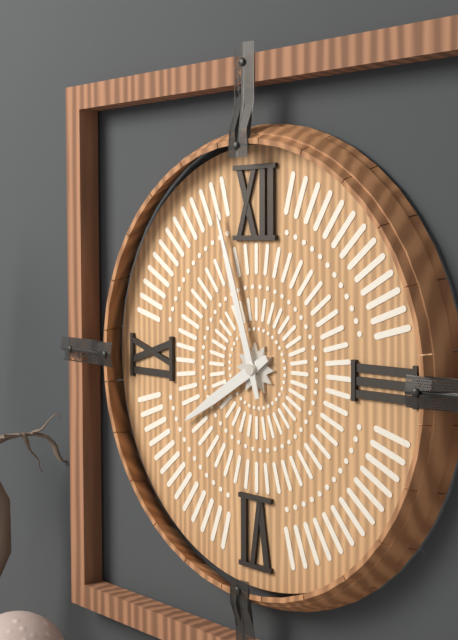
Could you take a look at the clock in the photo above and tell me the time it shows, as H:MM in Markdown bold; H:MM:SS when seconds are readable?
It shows **7:57**
